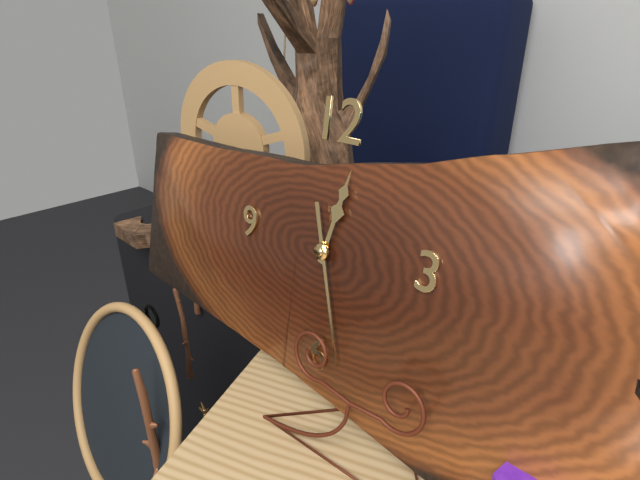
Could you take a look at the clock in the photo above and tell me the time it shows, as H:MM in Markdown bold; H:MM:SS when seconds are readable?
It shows **12:27**
